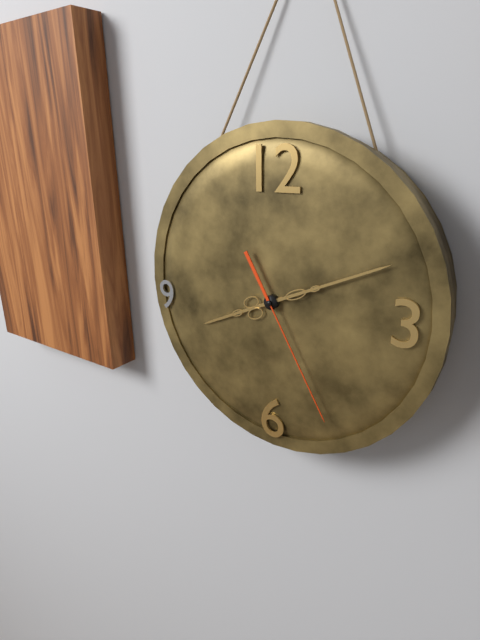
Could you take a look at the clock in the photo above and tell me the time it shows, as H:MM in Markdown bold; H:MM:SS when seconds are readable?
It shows **8:11:25**
